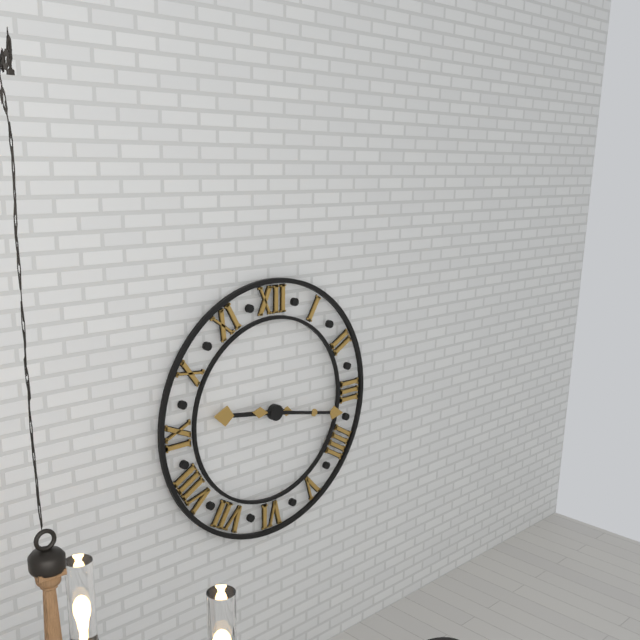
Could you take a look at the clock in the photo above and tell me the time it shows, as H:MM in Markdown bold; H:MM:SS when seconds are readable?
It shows **9:17**
